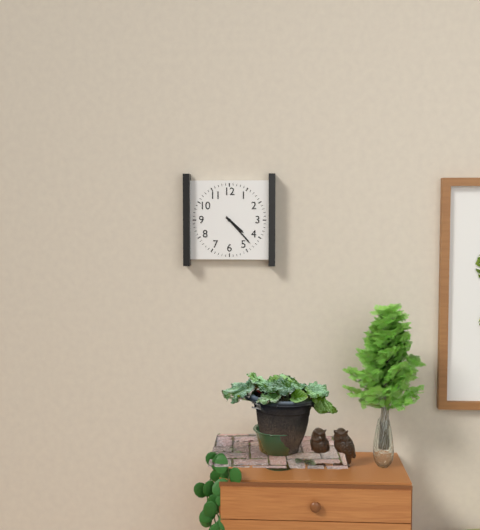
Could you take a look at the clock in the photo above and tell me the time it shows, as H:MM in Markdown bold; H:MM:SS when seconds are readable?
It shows **4:23**
